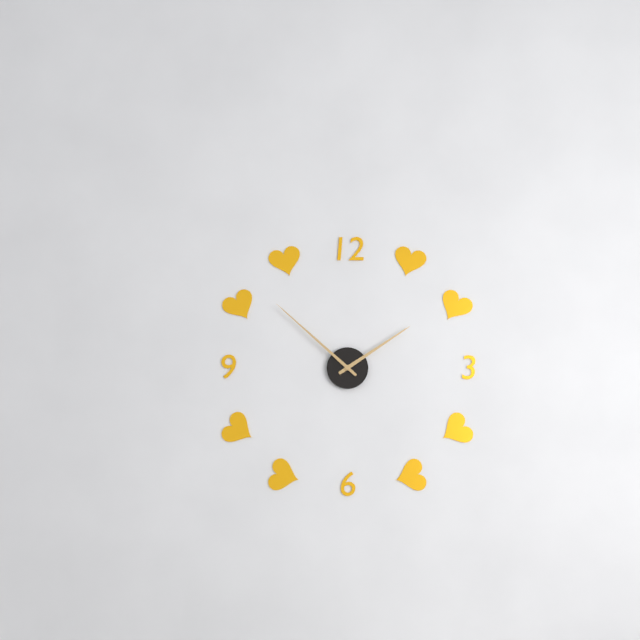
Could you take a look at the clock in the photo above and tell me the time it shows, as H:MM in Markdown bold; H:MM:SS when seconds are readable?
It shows **1:52**
